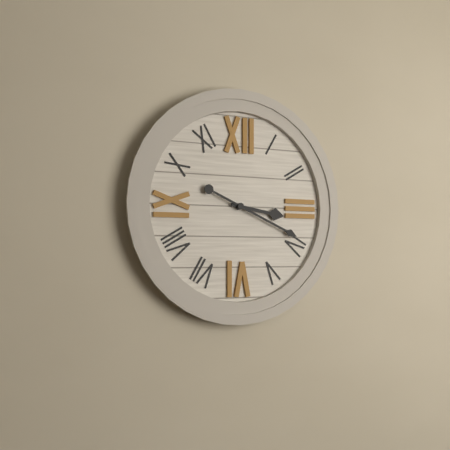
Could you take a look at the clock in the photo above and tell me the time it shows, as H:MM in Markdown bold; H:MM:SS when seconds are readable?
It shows **3:19**
